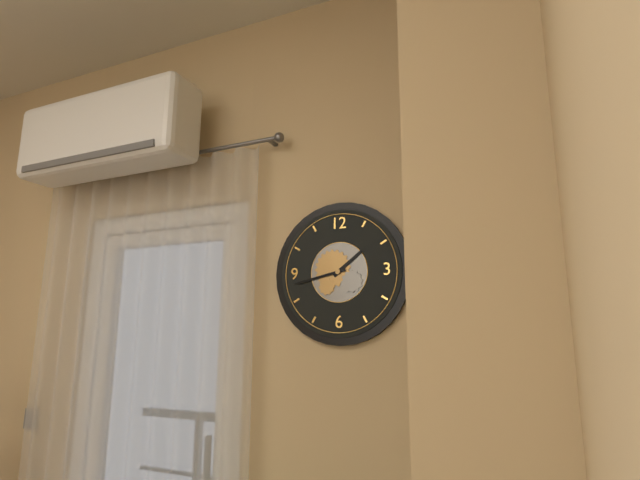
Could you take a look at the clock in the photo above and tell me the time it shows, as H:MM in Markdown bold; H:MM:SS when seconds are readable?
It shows **1:43**
